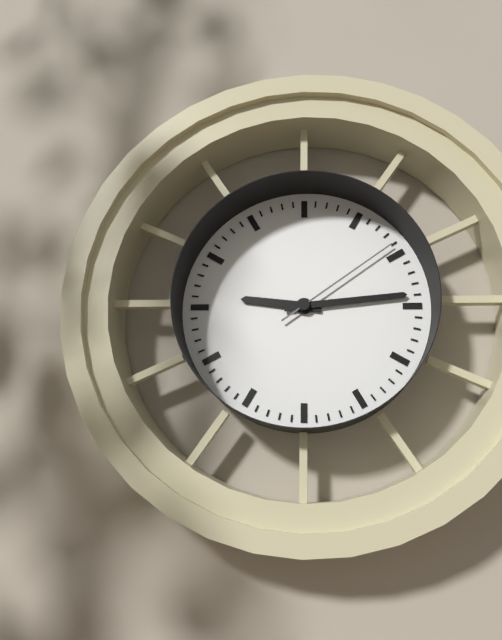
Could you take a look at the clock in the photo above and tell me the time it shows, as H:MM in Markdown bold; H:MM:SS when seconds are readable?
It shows **9:14:09**
